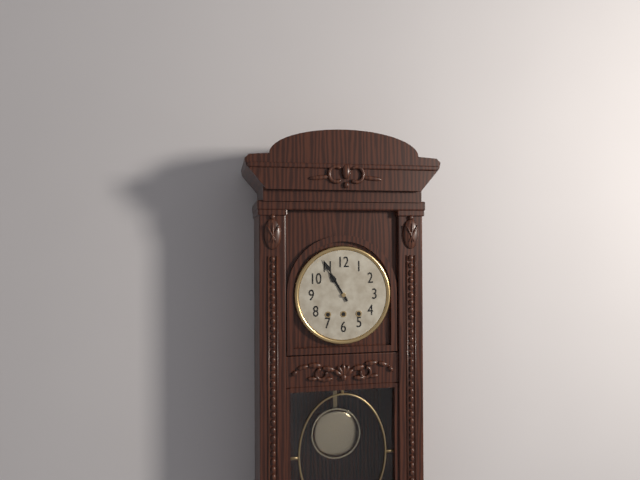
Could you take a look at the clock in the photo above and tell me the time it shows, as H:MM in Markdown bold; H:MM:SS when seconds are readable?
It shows **10:55**
